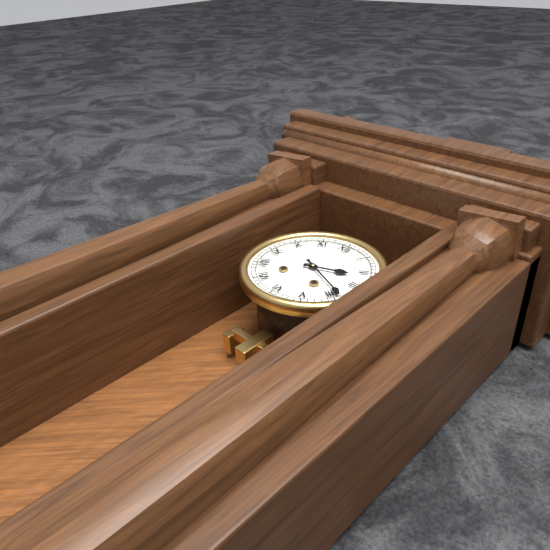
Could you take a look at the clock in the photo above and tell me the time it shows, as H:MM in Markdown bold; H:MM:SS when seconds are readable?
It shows **2:19**
